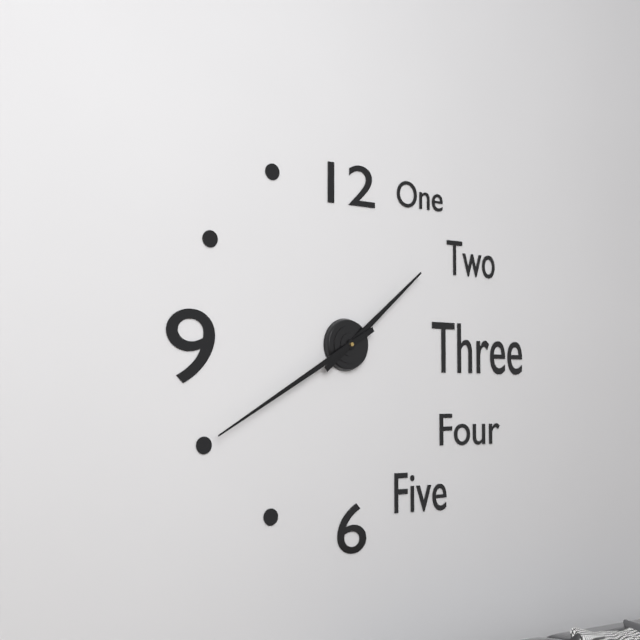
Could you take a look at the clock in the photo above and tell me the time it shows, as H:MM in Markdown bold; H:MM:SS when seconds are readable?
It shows **1:40**
